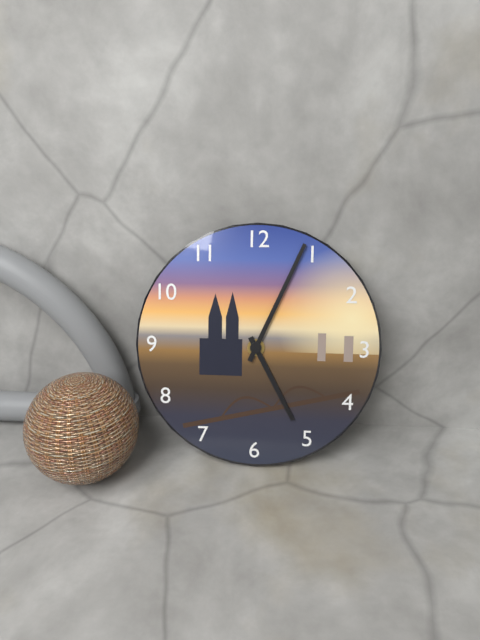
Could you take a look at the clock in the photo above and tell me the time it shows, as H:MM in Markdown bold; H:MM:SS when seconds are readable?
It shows **5:04**
